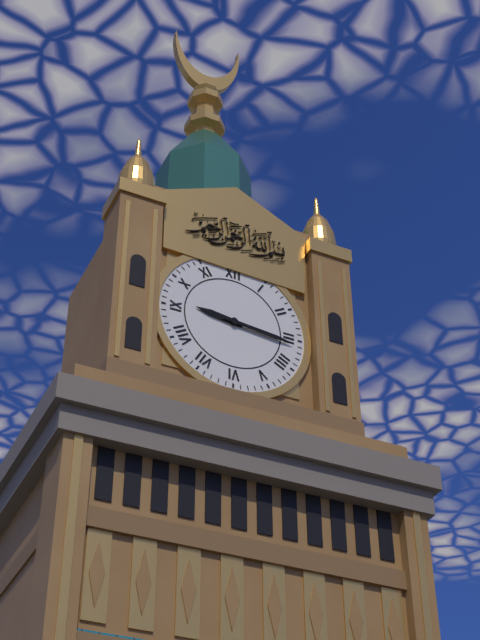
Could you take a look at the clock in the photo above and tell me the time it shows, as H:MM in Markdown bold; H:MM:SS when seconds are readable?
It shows **9:16**
